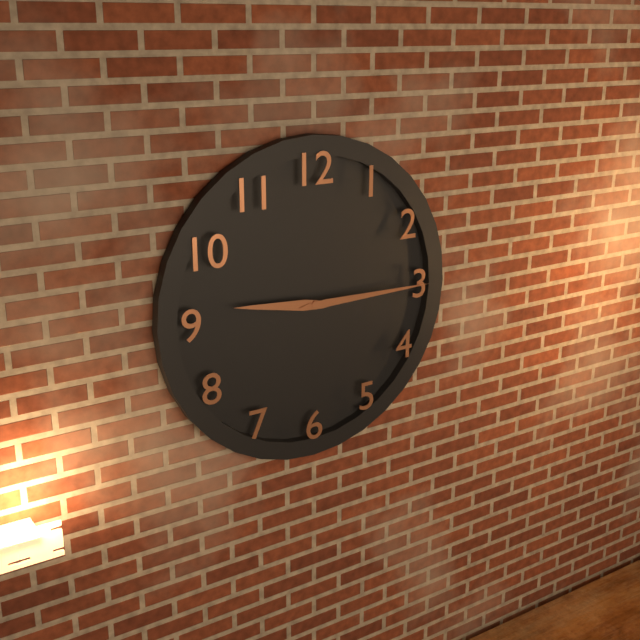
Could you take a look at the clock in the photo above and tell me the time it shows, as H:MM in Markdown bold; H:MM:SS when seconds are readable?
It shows **9:15**
